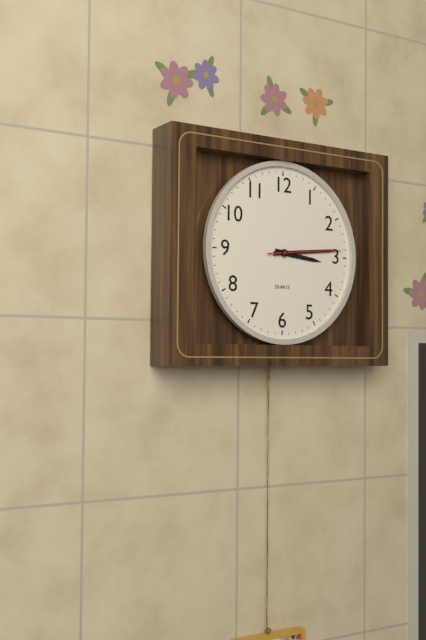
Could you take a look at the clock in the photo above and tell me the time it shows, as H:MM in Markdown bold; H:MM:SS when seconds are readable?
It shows **3:14:14**
